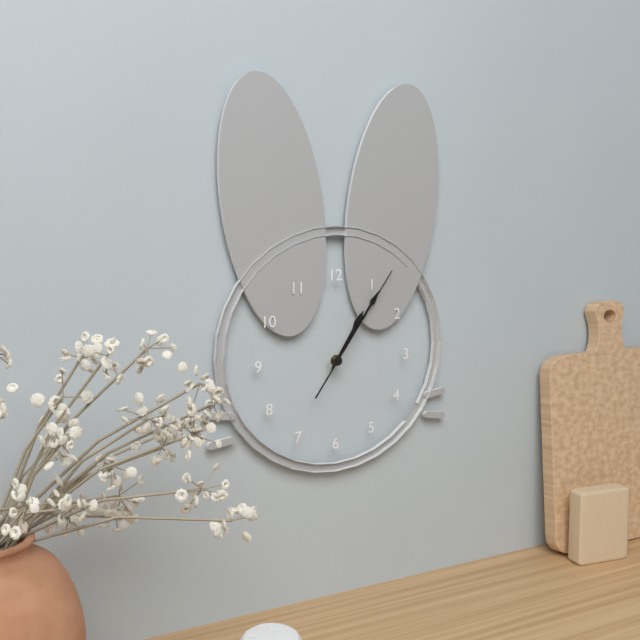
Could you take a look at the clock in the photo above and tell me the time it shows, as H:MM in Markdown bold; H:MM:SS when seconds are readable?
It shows **1:06:06**
